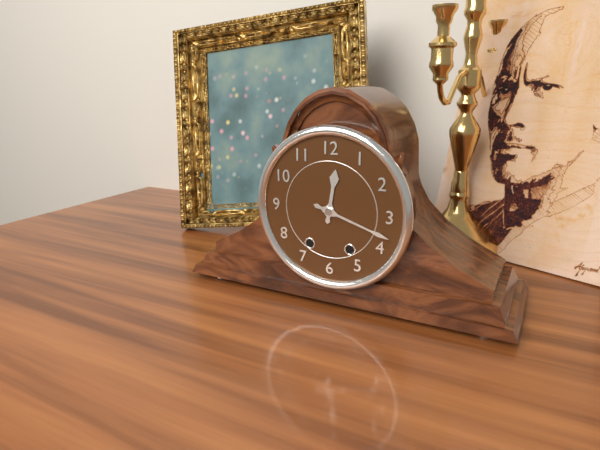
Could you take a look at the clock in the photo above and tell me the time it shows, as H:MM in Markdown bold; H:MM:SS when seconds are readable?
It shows **12:18**
